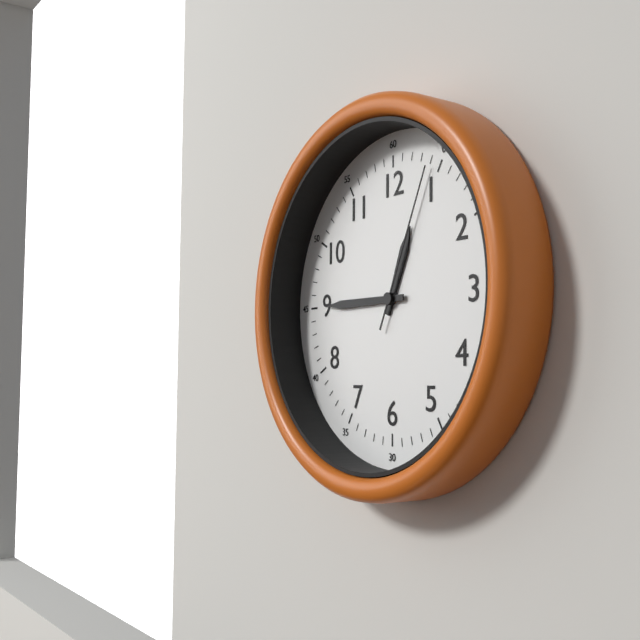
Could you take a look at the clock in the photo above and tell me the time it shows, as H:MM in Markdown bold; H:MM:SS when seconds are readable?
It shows **12:45:04**
